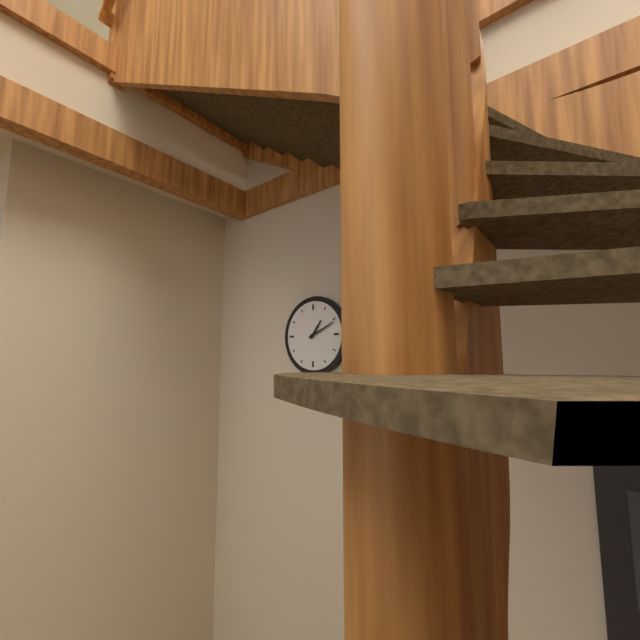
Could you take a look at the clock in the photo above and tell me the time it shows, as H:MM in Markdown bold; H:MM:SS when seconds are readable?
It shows **1:11**
